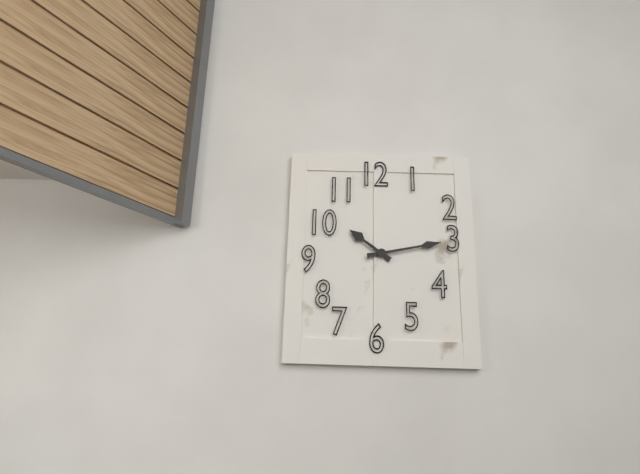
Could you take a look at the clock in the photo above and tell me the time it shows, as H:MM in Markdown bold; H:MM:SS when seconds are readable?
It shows **10:13**
